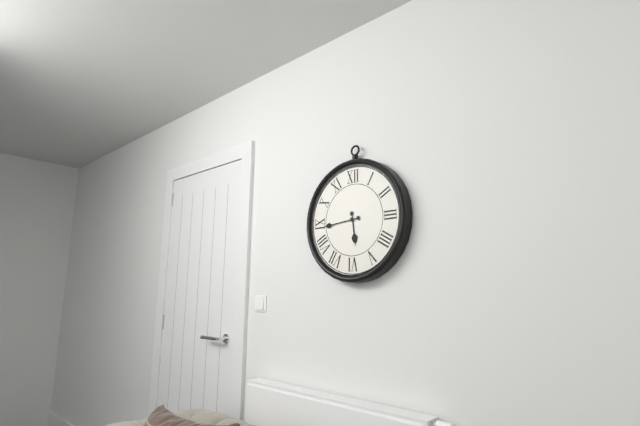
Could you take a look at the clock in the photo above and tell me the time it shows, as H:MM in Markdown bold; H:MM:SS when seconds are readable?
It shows **5:44**
